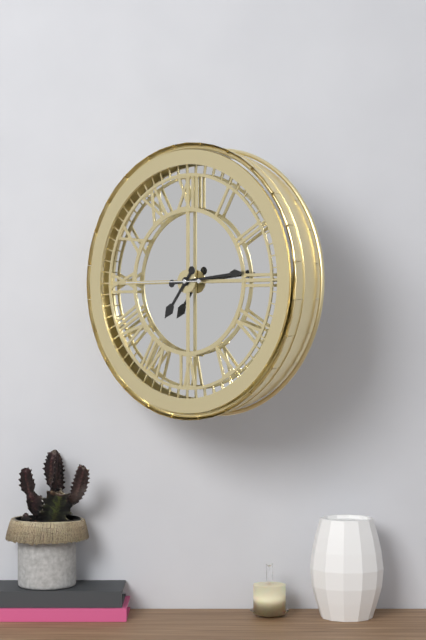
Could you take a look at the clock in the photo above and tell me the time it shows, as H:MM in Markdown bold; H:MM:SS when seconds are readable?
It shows **7:14:45**
